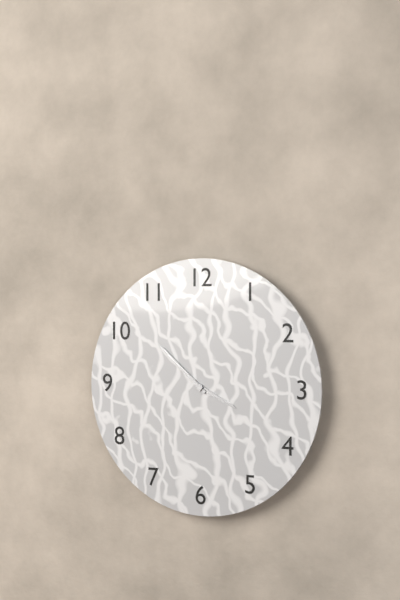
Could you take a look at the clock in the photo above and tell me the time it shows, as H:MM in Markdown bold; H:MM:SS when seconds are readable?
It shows **3:52**
